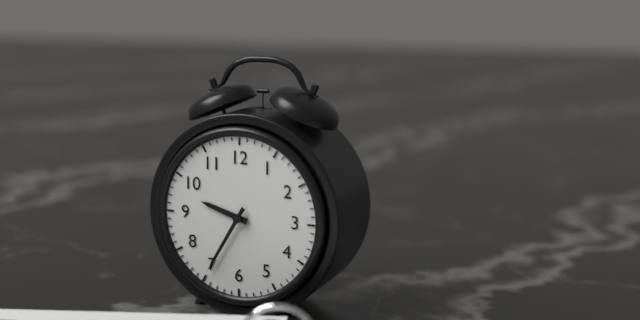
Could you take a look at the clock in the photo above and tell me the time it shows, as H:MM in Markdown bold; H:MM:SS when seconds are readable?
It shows **9:35**
